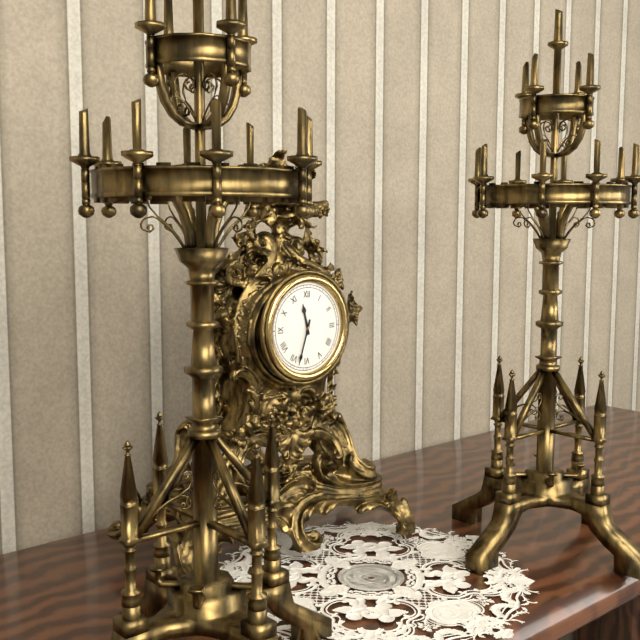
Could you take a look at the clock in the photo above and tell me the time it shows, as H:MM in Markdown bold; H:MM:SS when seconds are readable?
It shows **11:33**
